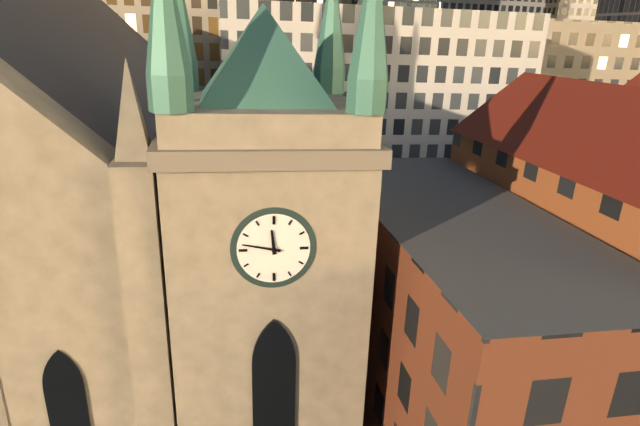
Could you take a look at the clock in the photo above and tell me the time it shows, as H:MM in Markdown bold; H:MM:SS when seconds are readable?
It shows **11:47**
